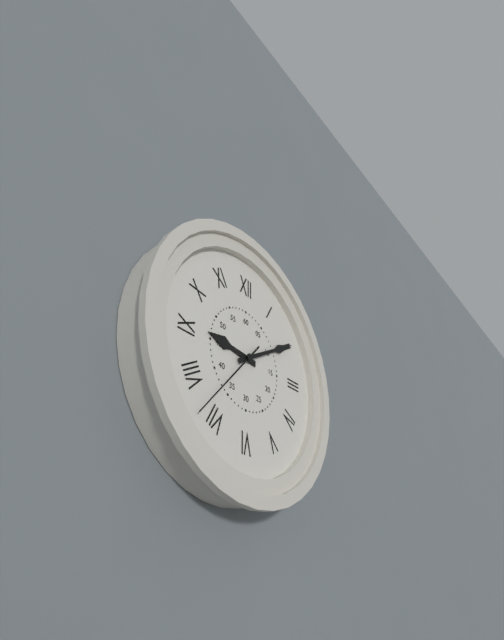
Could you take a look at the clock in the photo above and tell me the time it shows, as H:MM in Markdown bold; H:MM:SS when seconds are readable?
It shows **9:10:37**
